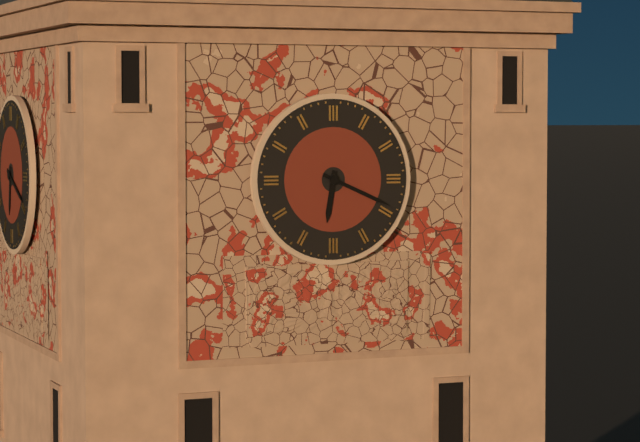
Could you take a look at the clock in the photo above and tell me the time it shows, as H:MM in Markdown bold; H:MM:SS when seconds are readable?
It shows **6:19**
